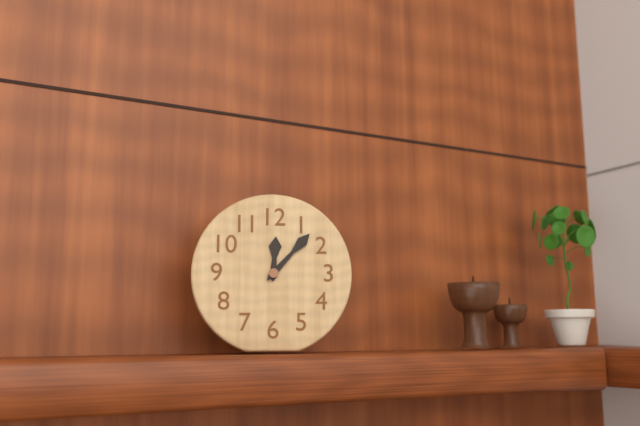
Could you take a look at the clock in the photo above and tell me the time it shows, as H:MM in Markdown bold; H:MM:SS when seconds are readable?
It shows **12:07**
